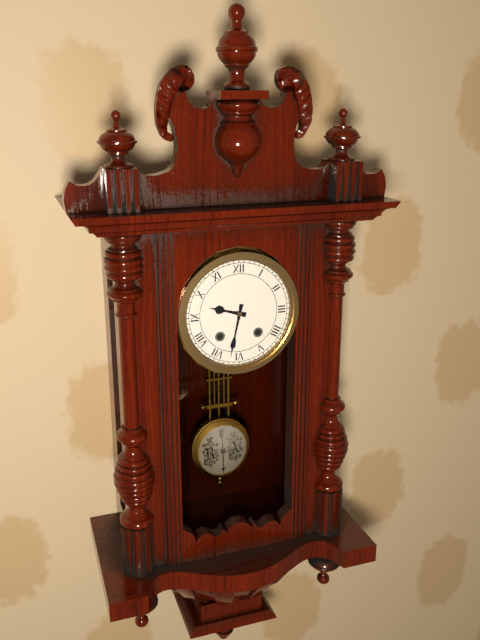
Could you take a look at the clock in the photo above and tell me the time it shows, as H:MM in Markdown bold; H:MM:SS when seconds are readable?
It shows **9:32**
